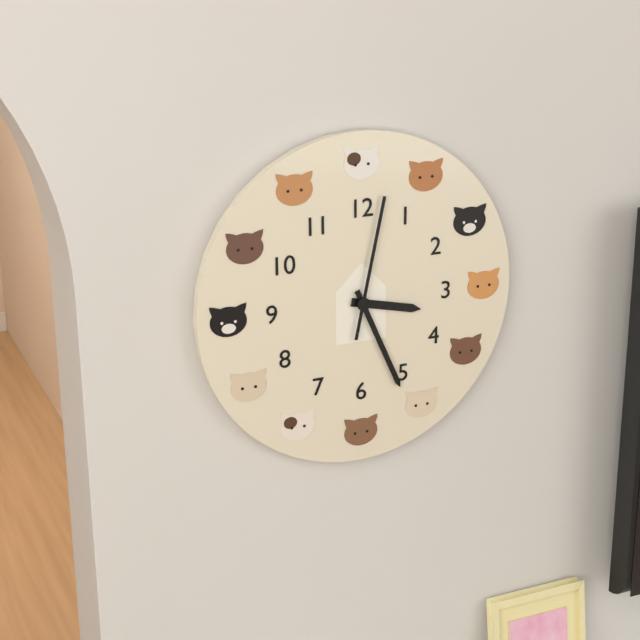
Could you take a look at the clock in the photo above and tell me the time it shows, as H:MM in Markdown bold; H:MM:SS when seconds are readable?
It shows **3:26:02**
